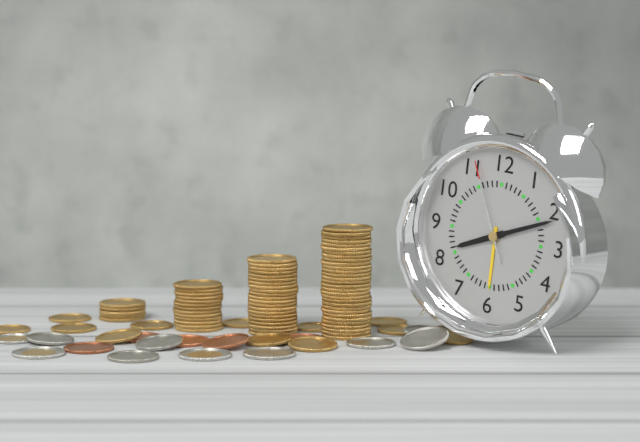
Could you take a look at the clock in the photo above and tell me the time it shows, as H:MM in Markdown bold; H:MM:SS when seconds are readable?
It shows **8:11:56**
